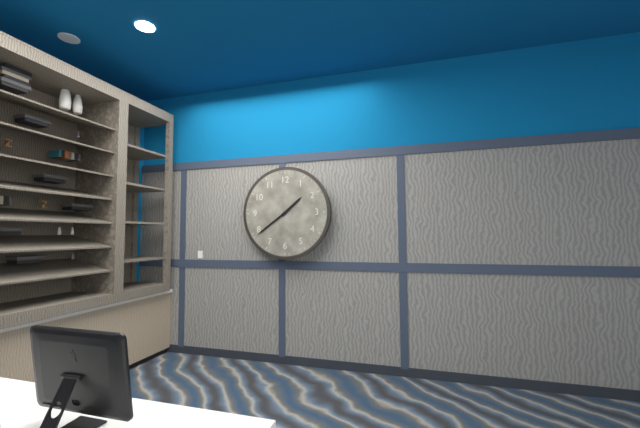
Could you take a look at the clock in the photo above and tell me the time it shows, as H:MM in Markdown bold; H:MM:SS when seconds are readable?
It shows **1:39**
